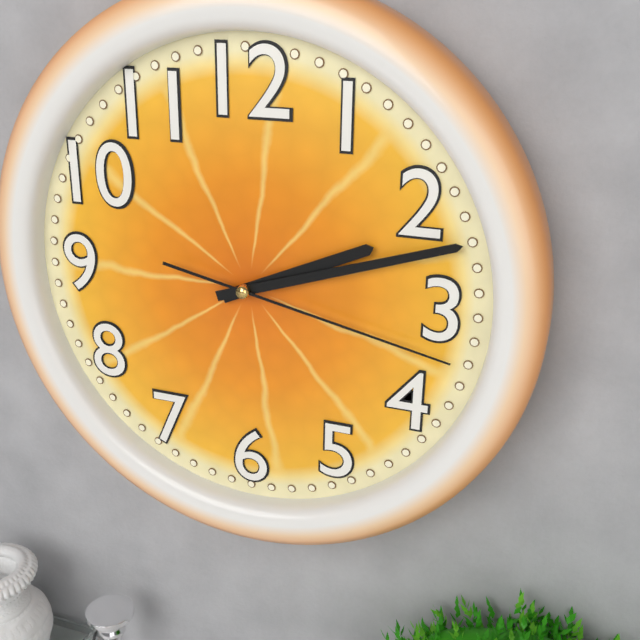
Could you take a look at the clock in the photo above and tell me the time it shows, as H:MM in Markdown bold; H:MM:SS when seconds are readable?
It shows **2:12:17**
